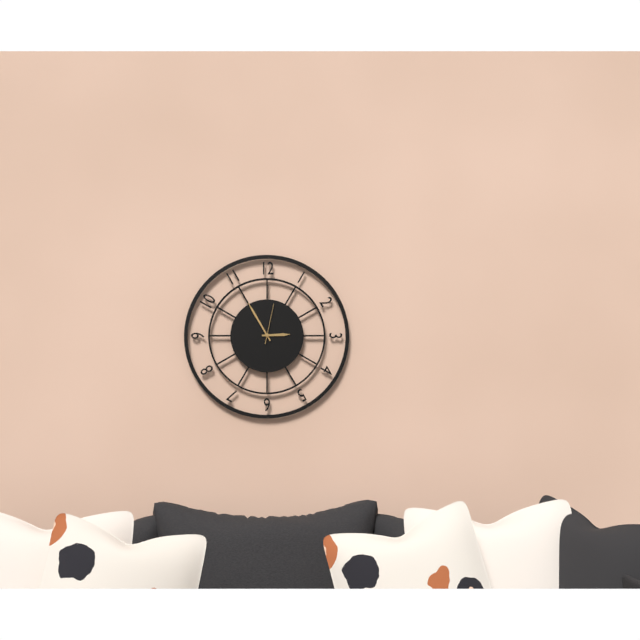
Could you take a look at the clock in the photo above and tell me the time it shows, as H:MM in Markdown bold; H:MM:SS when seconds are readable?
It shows **2:55**
